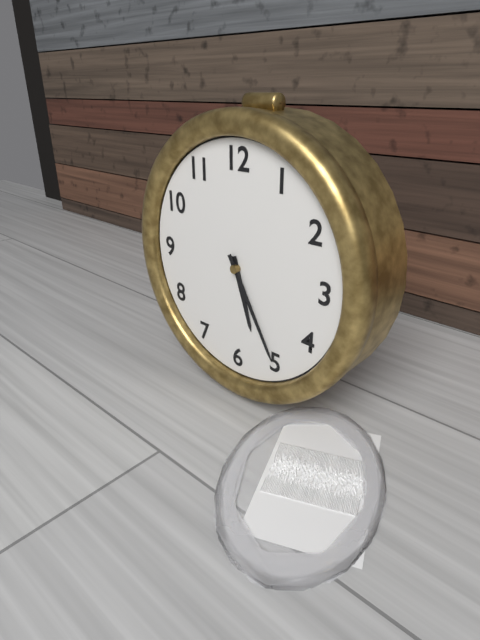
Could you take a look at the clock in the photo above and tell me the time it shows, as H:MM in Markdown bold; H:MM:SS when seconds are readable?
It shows **5:25**
